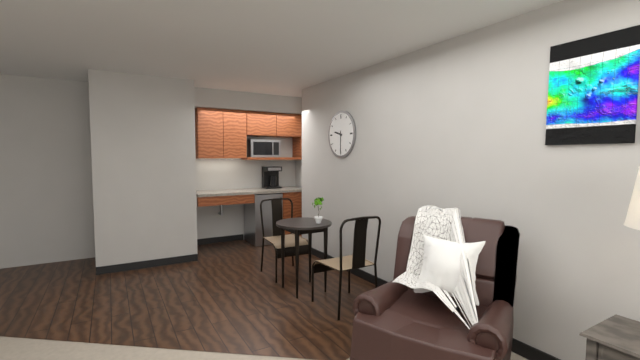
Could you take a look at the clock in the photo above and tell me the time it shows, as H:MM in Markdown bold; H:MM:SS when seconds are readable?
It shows **9:30**
